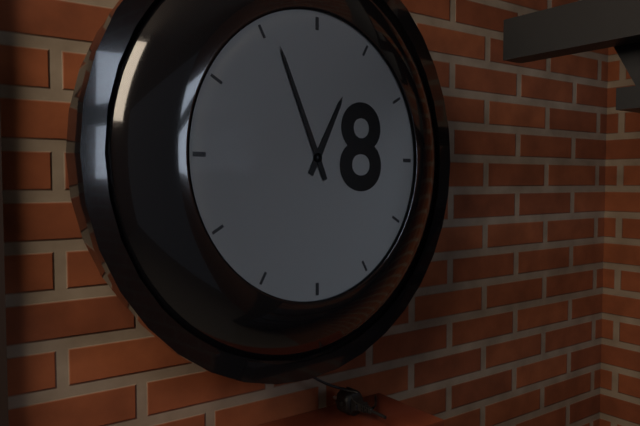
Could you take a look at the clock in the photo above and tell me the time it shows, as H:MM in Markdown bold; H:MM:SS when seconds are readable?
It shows **12:56**
